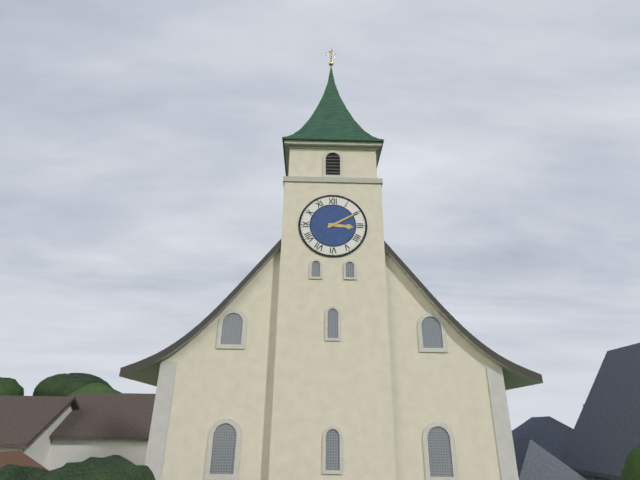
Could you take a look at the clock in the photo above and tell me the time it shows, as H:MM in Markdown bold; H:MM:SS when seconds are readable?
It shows **3:10**
